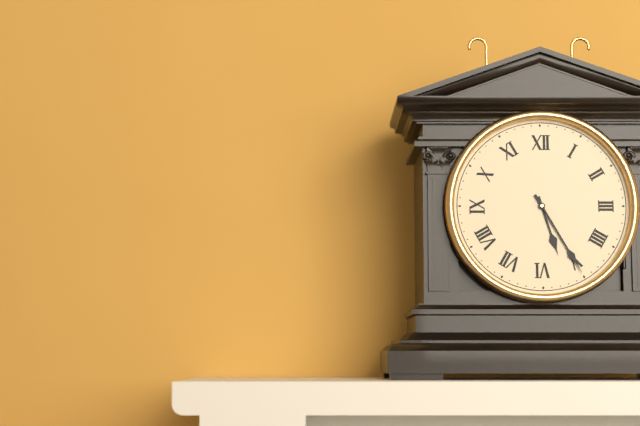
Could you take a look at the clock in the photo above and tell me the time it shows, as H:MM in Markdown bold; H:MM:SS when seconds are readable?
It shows **5:25**
